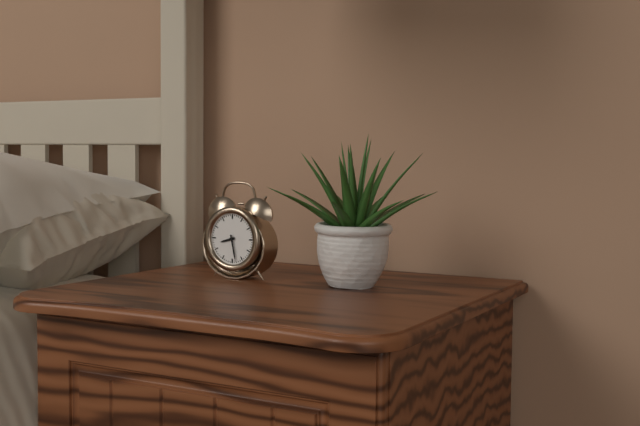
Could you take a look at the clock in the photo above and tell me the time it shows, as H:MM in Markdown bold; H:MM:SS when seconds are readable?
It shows **8:28**
